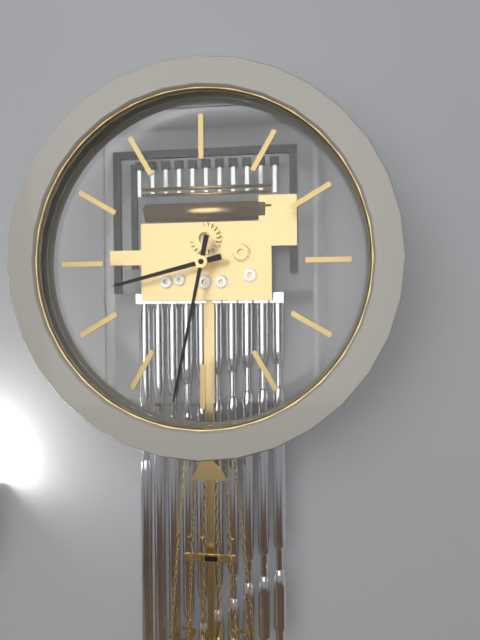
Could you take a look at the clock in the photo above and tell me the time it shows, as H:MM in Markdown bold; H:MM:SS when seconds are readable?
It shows **8:32**
